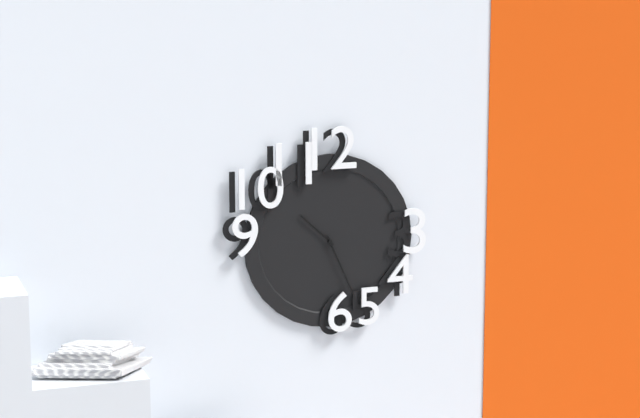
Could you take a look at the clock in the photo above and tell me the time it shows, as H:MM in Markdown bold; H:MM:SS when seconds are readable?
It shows **10:26**
